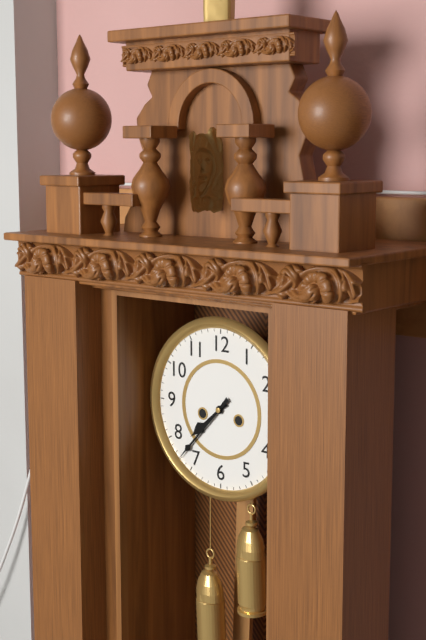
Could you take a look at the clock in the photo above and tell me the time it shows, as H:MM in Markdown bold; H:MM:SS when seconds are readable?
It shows **7:37**
